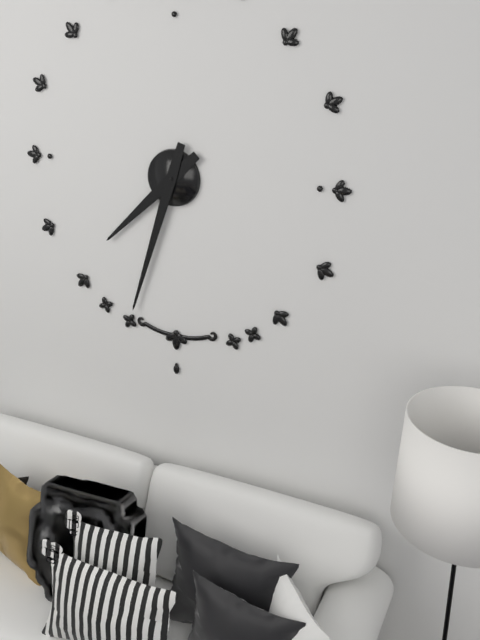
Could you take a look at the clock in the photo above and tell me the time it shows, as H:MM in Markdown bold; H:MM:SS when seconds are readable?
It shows **7:33**
